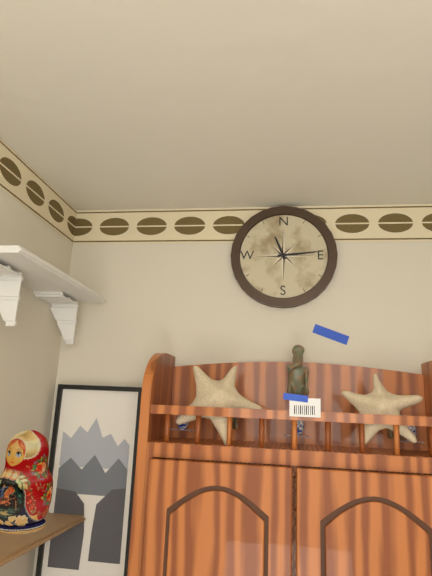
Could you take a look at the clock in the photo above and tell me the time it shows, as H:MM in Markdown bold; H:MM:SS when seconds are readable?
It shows **11:14**
